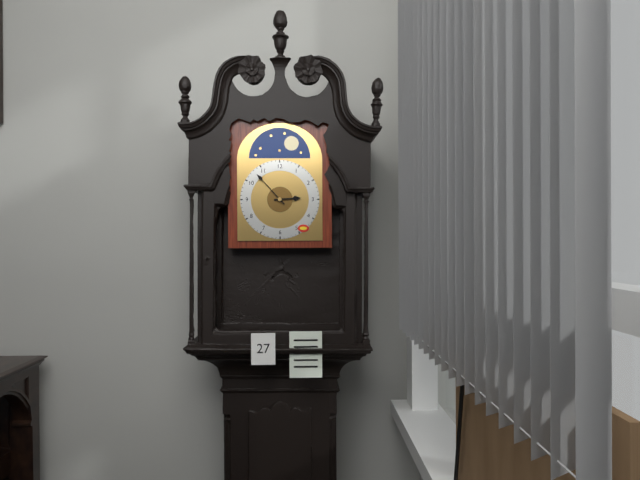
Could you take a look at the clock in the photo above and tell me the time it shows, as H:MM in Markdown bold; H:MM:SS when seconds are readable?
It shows **2:53**
